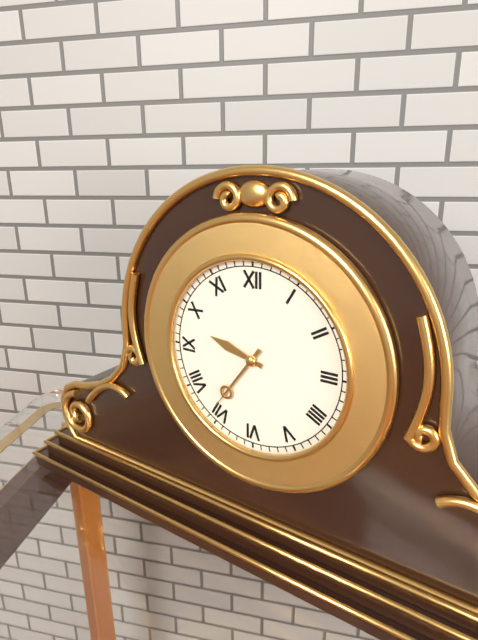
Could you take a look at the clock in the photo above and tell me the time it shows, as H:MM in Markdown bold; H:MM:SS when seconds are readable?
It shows **9:36**
